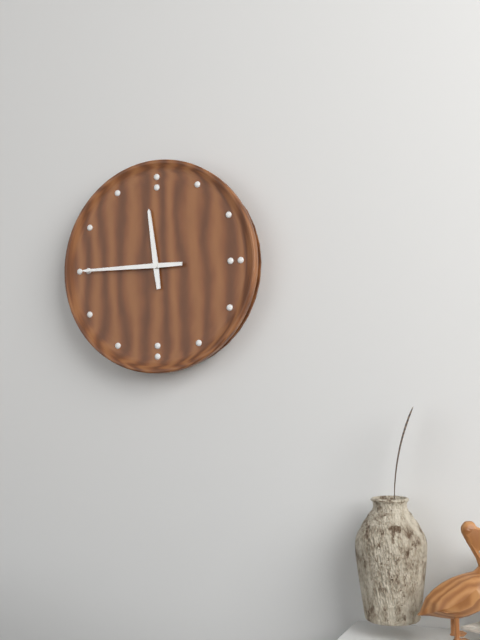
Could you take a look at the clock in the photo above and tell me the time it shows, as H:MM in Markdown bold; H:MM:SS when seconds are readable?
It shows **11:45**
